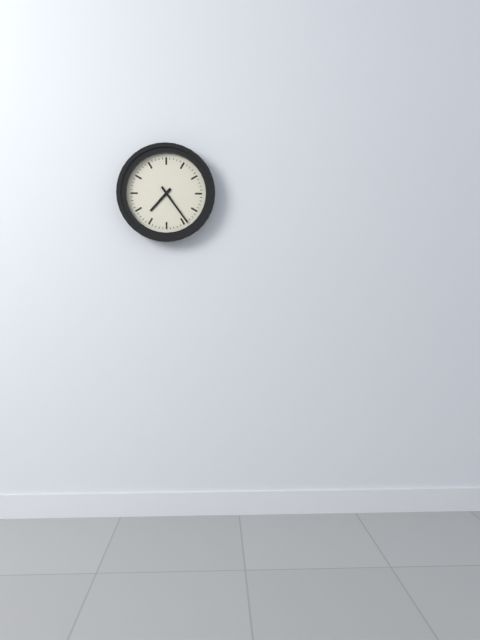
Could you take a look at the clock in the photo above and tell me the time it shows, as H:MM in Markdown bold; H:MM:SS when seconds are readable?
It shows **7:24**
